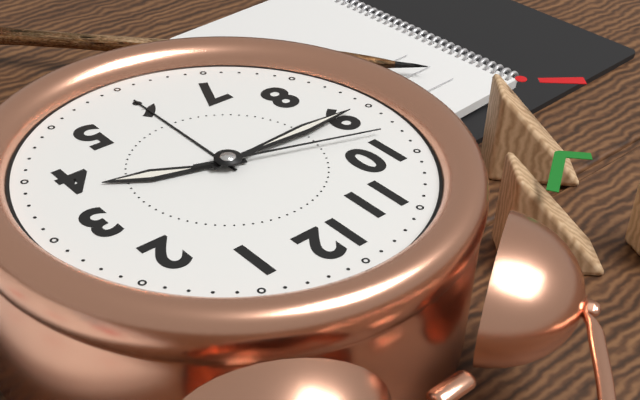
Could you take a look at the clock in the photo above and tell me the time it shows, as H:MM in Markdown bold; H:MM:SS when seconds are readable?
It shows **3:45:48**
